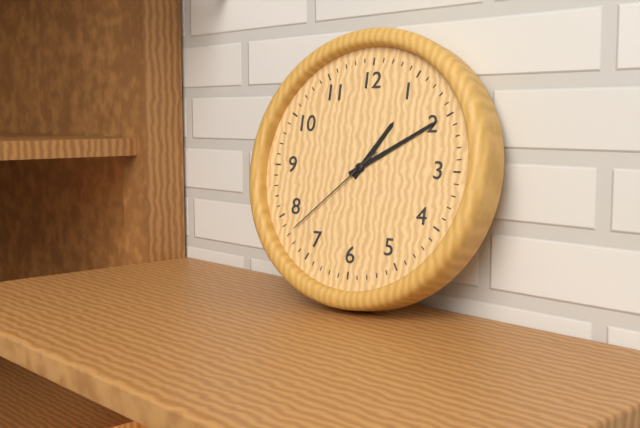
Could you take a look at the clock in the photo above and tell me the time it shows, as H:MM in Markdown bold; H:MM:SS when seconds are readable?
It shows **1:10:38**
